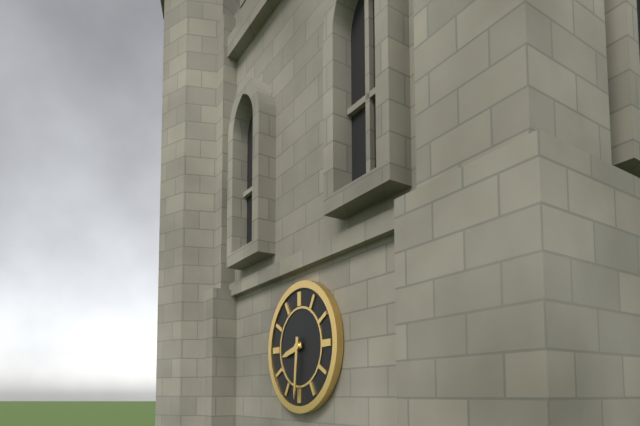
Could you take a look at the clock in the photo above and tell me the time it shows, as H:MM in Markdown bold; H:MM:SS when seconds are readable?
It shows **8:31**
